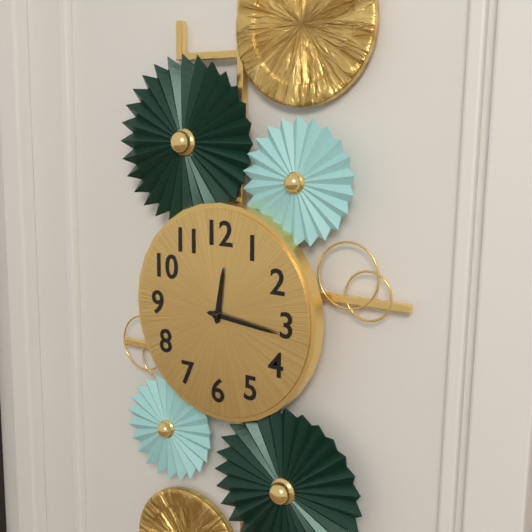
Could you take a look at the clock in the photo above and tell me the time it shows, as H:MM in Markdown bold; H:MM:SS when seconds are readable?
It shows **12:16**
